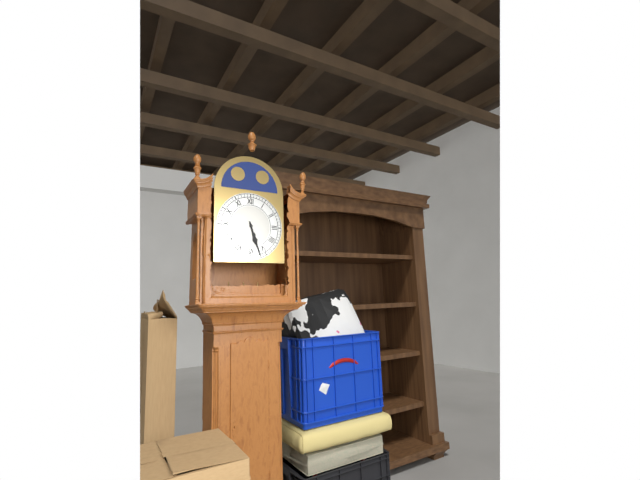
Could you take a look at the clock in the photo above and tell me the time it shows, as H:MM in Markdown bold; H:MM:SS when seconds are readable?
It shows **5:27**
